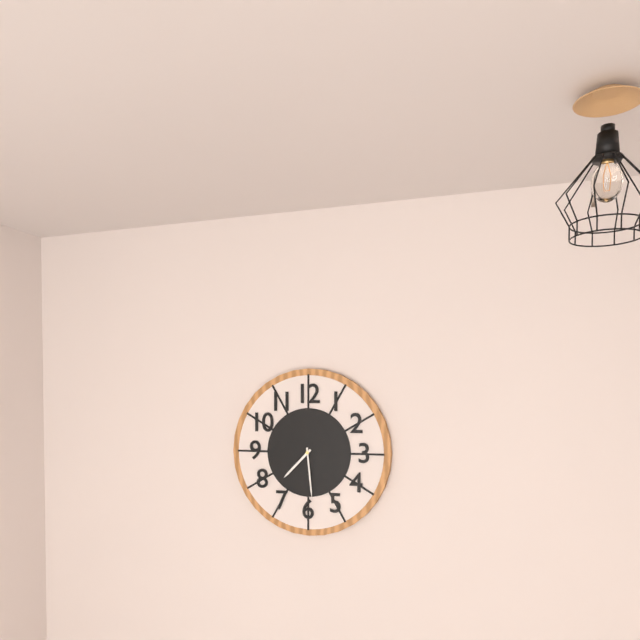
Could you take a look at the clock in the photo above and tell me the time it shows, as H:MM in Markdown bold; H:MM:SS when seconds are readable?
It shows **7:29**
